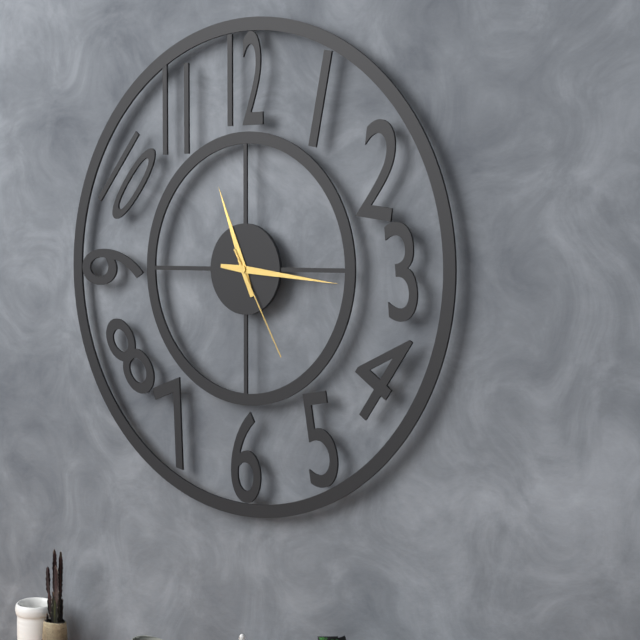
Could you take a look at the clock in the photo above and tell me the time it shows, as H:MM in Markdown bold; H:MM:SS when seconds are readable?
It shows **11:16:25**
